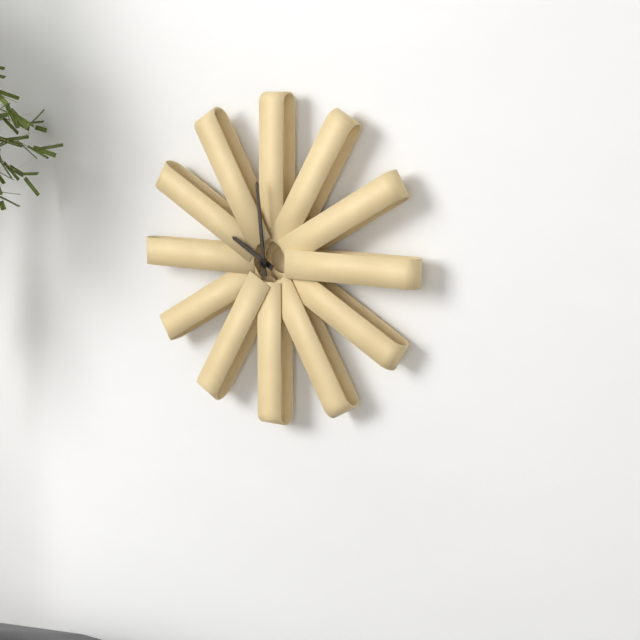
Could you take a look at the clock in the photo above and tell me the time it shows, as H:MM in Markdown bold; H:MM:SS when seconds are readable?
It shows **9:59**
